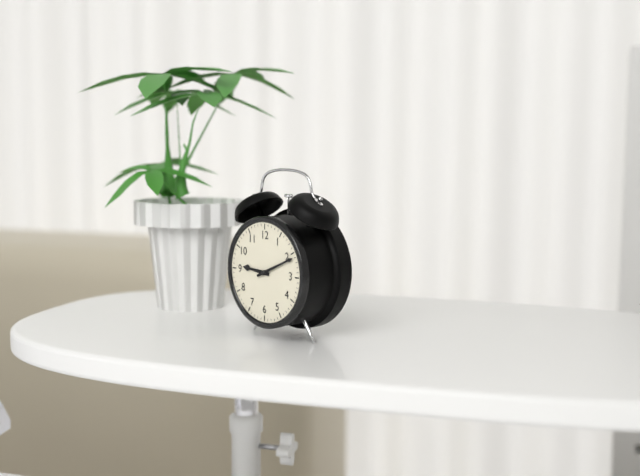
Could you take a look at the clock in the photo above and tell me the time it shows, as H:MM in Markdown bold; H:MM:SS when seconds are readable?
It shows **9:11**
